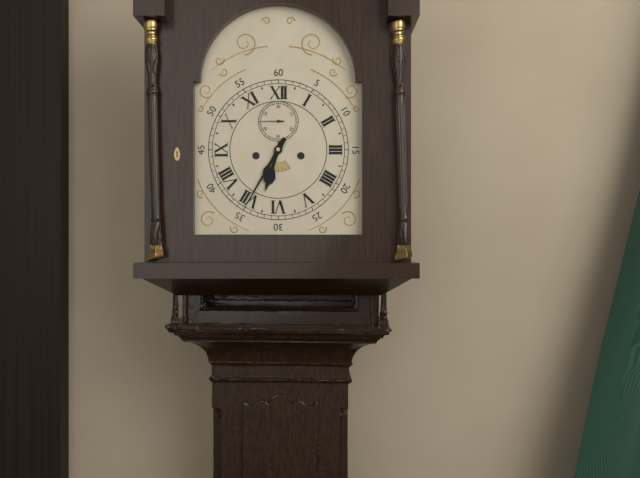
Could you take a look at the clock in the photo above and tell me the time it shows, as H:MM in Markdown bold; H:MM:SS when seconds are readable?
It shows **6:35**
